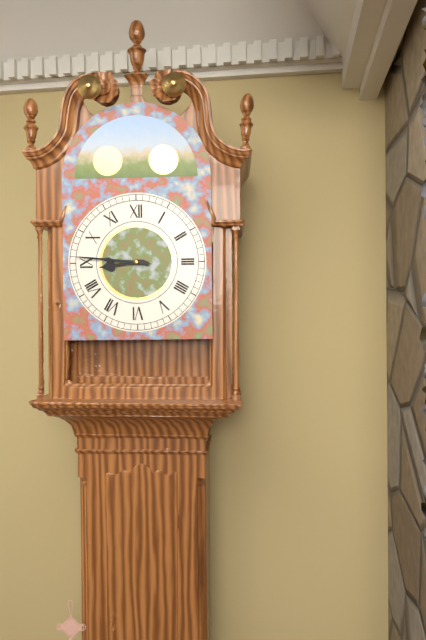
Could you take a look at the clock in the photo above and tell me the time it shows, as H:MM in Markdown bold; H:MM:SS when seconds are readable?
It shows **8:46**
